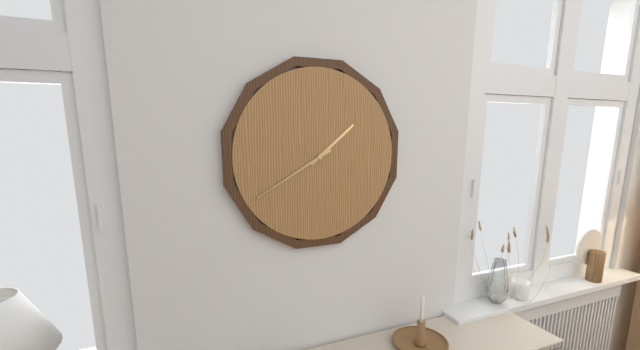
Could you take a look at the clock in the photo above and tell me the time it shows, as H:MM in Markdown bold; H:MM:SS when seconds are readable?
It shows **1:40**
